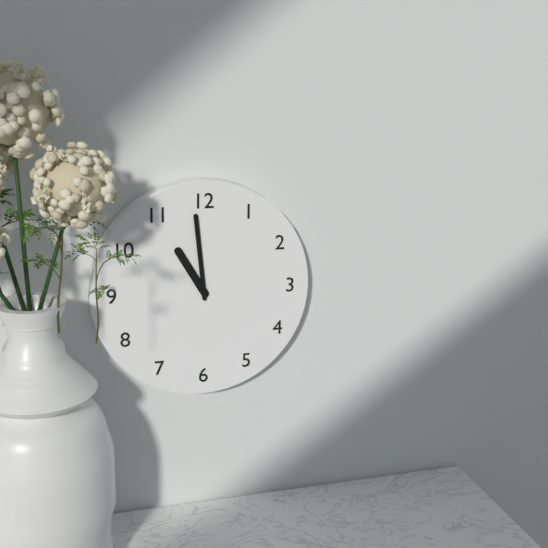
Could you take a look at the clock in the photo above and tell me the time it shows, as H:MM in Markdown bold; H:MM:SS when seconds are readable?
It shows **10:59**
